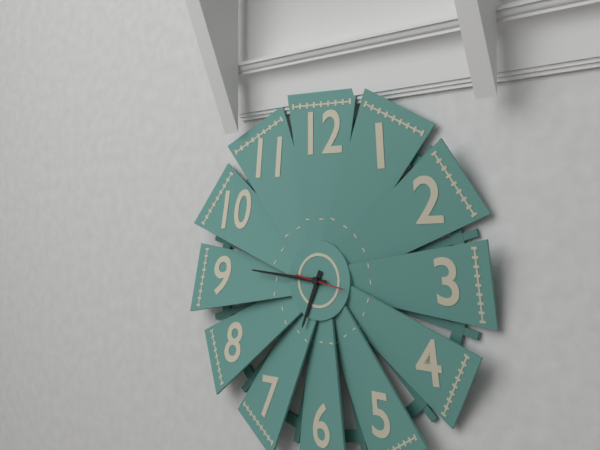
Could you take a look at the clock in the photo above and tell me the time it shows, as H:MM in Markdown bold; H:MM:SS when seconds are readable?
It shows **6:46**
